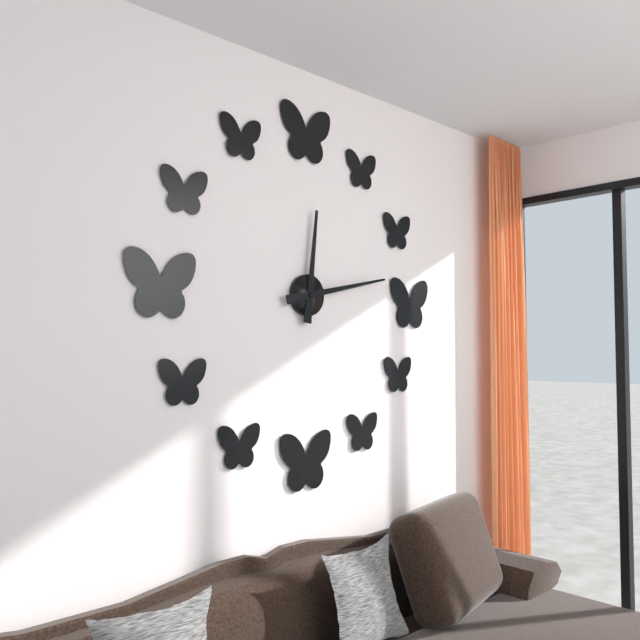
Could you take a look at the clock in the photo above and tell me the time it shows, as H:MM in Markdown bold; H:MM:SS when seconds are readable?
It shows **12:13**
